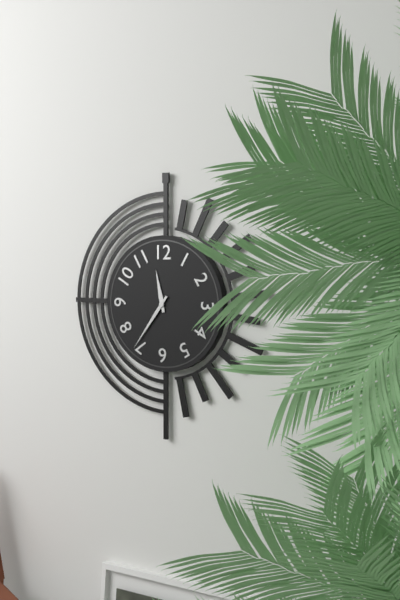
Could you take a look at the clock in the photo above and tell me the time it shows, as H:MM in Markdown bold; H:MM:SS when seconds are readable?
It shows **11:36**
